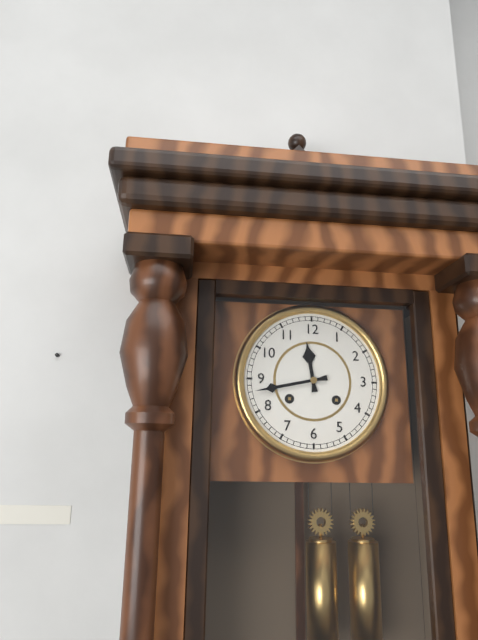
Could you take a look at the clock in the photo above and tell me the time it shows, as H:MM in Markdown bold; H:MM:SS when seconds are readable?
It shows **11:43**
